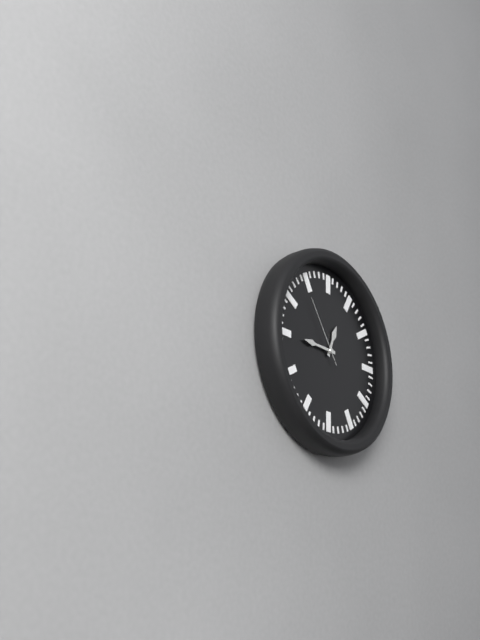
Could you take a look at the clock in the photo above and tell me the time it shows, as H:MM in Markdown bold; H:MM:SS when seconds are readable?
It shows **12:45:54**
